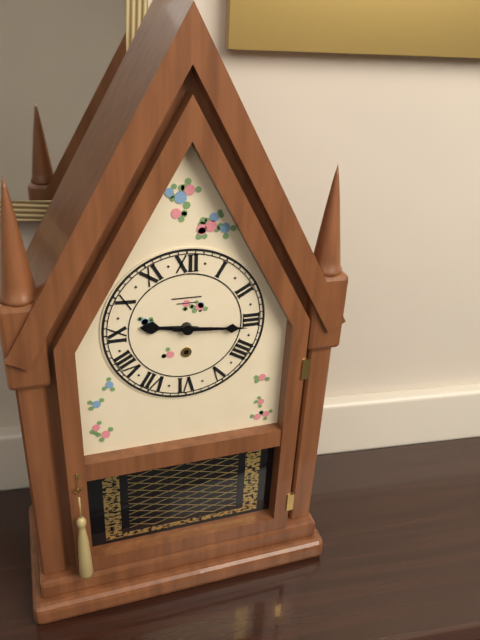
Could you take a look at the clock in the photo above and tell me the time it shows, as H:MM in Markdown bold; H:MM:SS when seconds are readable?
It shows **9:16**
